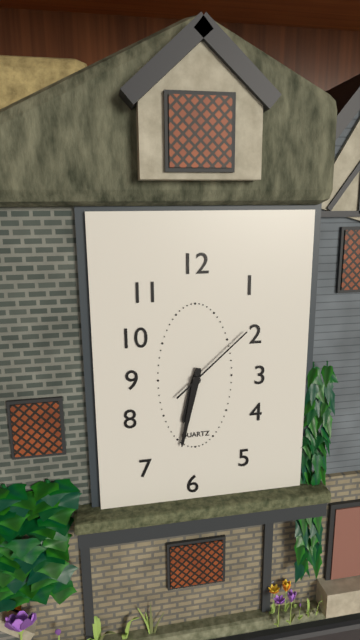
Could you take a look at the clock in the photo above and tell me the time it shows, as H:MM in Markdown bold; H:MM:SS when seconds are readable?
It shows **6:32:08**
